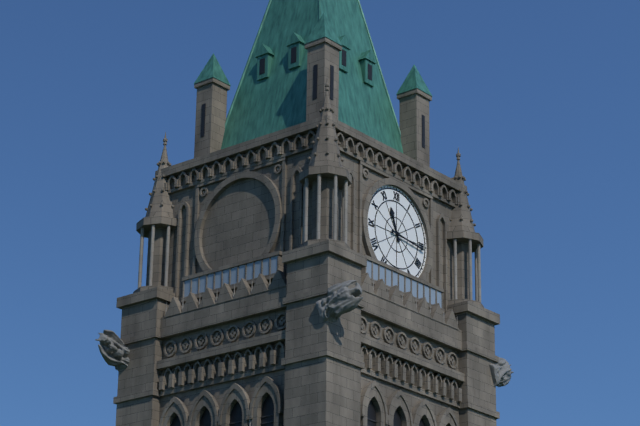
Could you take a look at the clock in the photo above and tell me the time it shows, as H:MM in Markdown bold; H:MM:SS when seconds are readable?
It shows **11:16**
